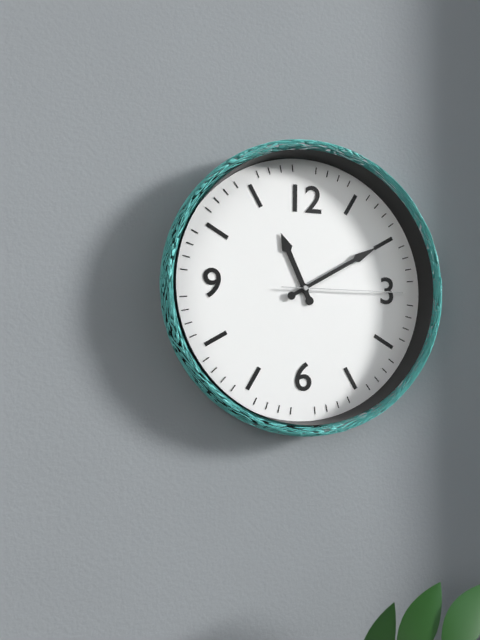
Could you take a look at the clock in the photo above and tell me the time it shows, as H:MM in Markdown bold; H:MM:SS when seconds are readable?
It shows **11:10:15**
